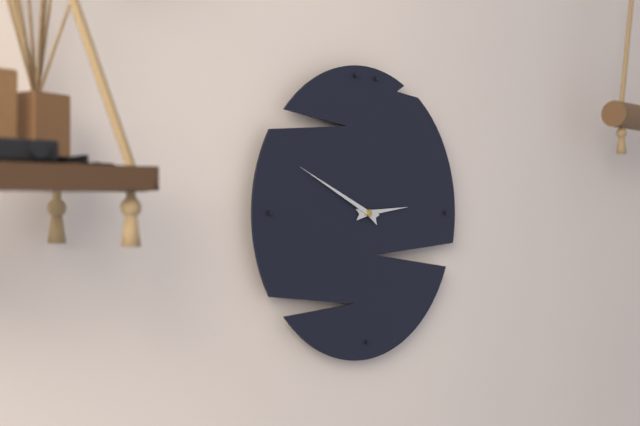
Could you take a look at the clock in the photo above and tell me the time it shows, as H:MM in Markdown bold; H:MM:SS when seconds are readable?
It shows **2:49**
